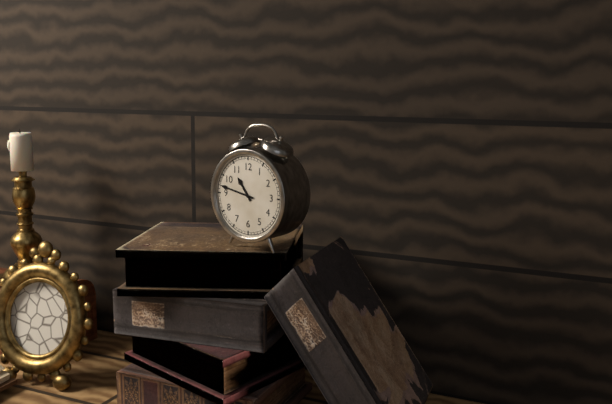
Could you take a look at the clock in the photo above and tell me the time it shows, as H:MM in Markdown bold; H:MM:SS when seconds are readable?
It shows **10:47**
